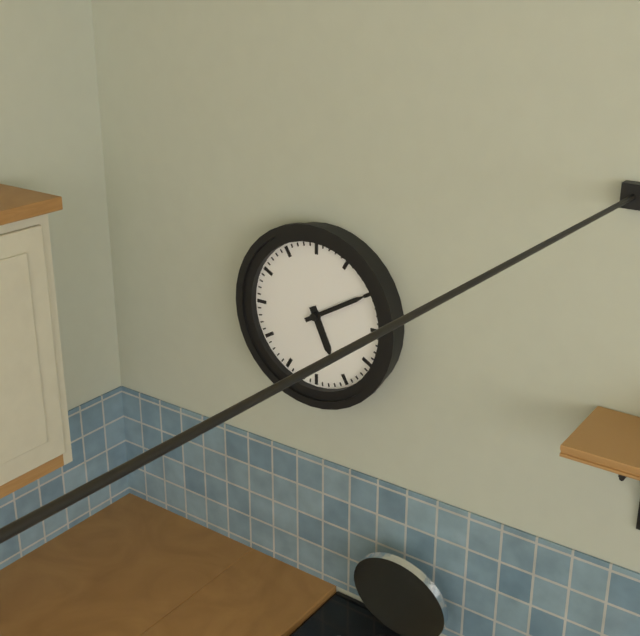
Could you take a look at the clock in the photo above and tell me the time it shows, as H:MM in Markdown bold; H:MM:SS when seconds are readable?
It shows **5:10**
